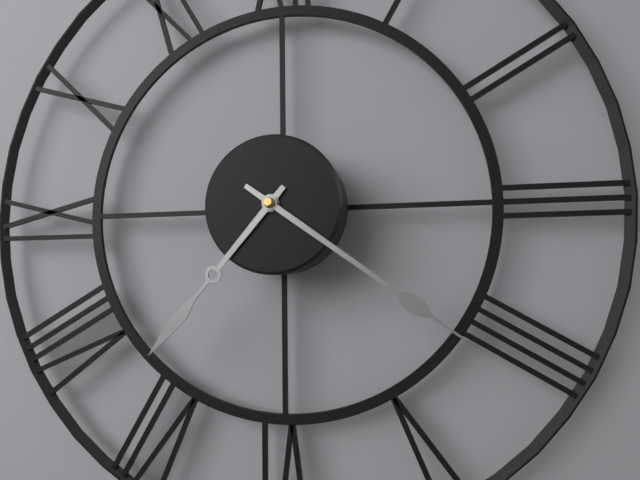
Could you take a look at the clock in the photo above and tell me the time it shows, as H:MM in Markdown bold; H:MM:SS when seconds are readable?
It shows **7:21**
